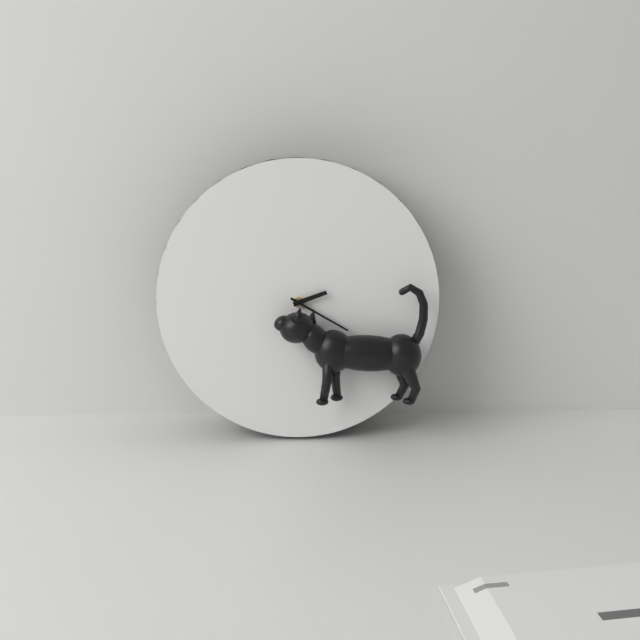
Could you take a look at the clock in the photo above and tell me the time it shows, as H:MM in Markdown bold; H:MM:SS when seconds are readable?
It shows **2:20**
